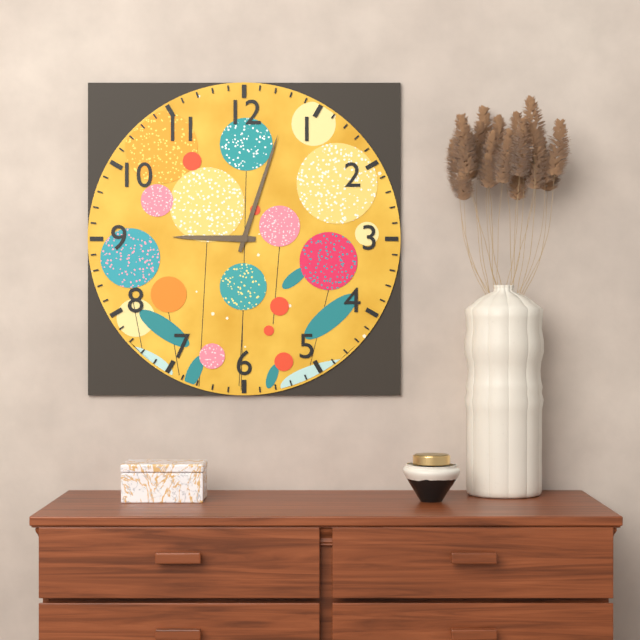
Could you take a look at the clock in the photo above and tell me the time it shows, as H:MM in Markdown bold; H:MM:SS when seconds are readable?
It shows **9:03**
